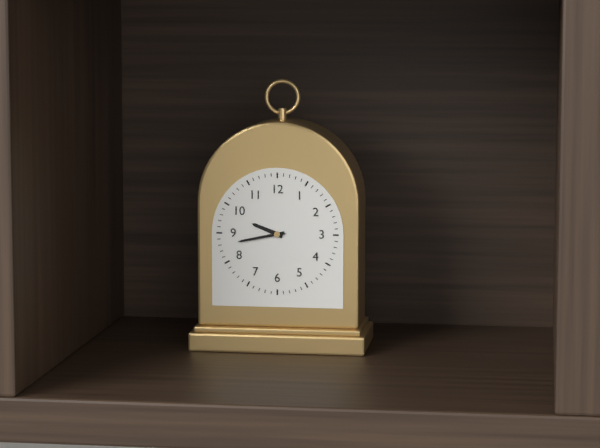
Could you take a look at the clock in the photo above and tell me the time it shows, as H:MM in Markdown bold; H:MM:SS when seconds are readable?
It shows **9:43**
